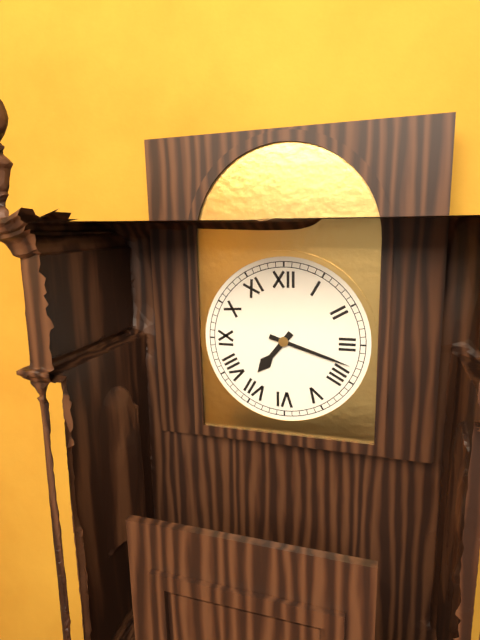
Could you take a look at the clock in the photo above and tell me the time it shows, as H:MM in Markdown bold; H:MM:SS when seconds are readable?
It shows **7:18**
